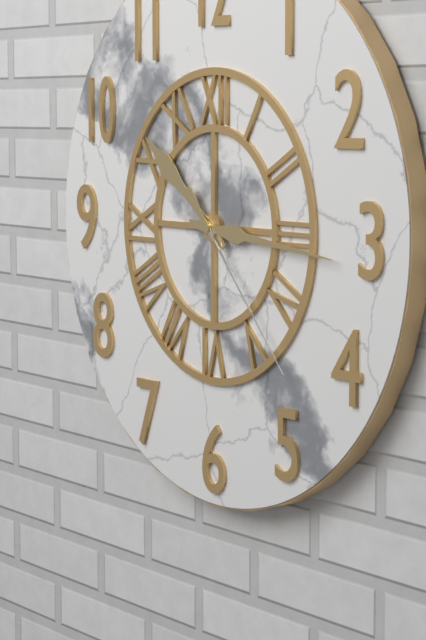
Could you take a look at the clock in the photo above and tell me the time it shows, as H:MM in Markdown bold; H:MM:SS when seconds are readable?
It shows **10:16:23**
